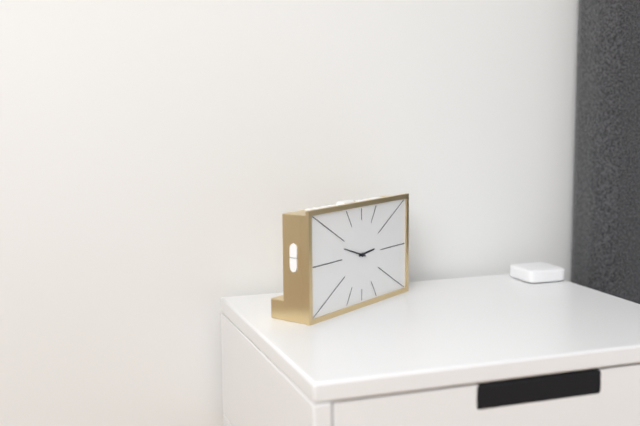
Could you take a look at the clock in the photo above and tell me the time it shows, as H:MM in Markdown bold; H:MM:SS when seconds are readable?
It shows **2:48**
